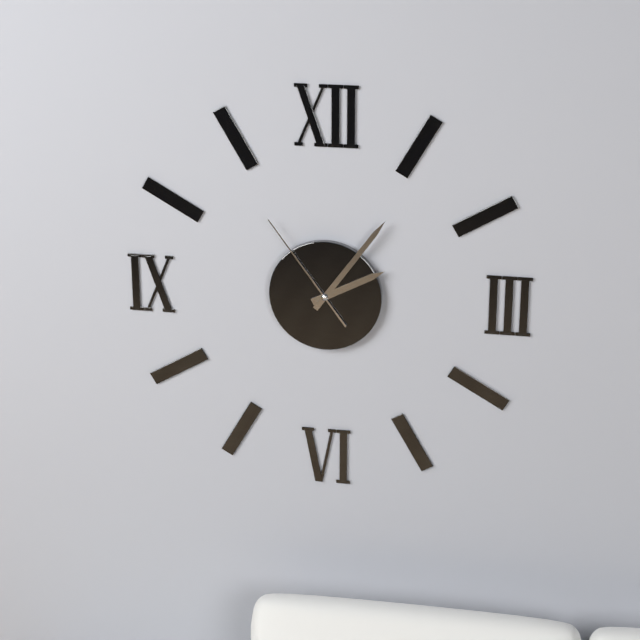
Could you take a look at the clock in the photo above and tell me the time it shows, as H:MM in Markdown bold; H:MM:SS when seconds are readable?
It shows **2:06:54**
